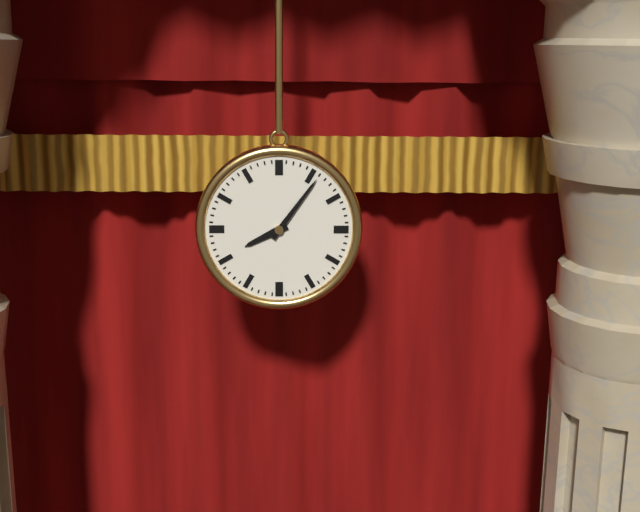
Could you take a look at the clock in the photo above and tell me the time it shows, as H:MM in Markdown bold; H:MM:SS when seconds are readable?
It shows **8:06**
